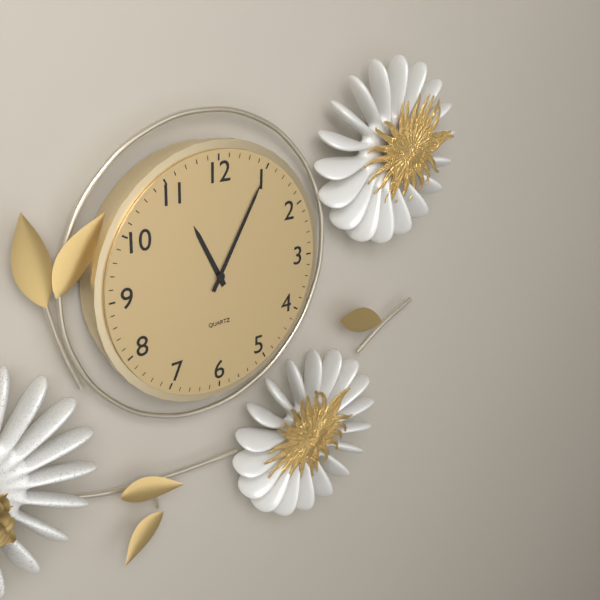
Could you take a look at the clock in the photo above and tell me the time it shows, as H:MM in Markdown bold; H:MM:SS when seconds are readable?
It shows **11:05**
